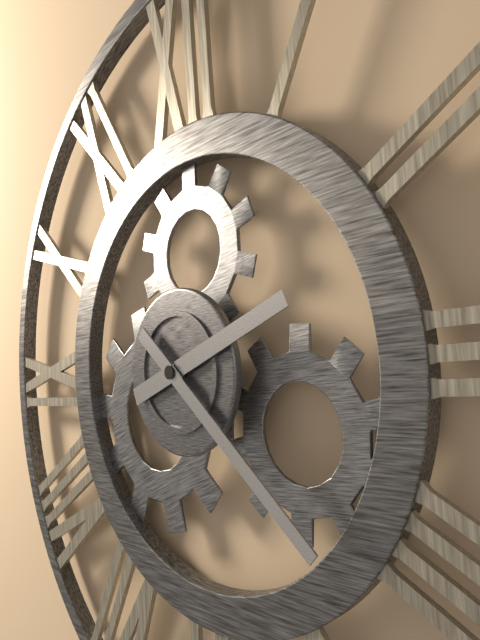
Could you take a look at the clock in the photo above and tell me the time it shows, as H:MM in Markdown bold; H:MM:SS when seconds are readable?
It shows **2:22**
